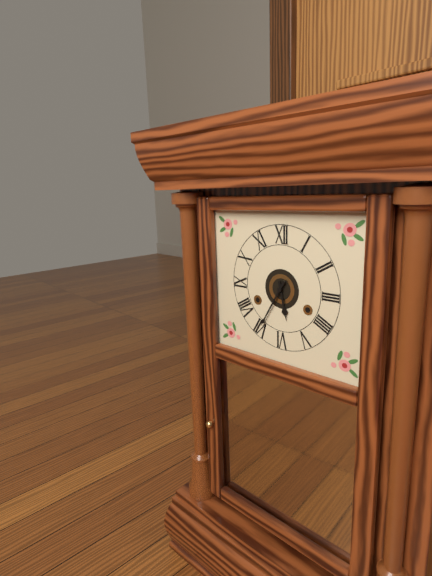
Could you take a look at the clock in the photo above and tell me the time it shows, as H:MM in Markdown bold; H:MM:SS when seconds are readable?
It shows **5:35**
